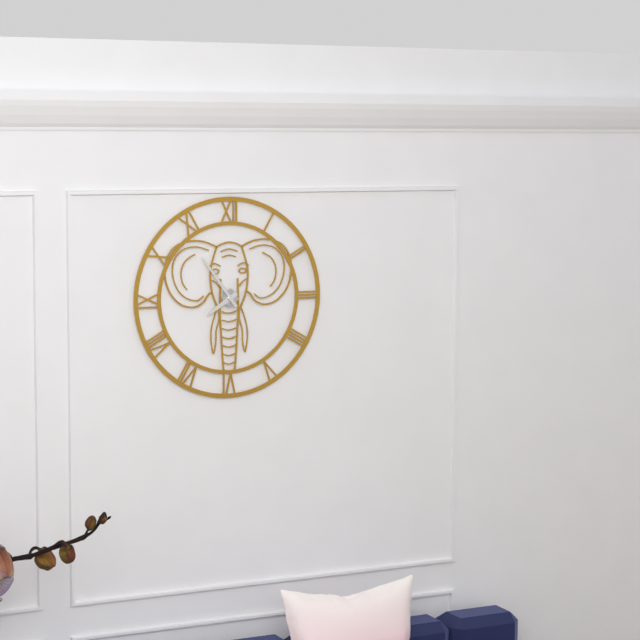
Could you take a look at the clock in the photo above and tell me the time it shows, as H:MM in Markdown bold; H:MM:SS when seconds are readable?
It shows **7:54**
